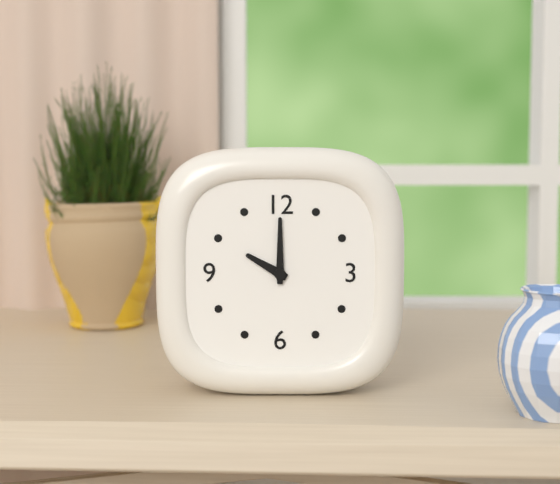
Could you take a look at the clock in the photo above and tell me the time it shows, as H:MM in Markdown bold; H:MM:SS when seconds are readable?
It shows **10:00**
